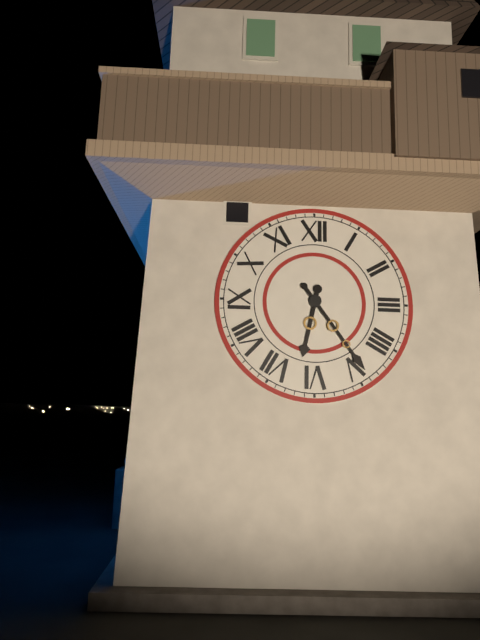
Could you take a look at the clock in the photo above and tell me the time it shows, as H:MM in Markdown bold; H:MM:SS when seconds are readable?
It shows **6:24**
